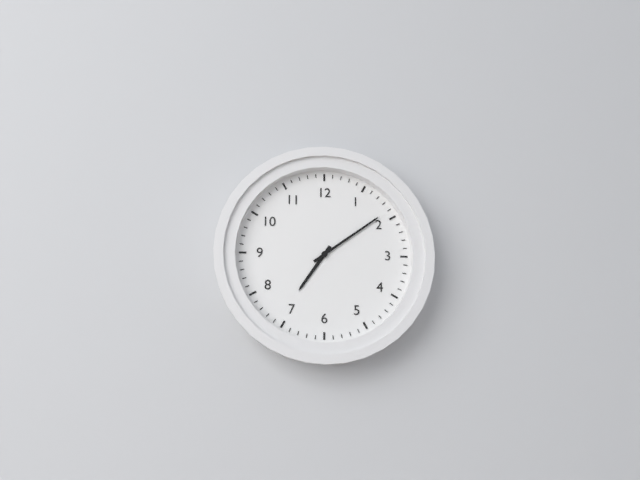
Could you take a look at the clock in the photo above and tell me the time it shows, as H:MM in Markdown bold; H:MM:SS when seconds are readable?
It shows **7:09**
